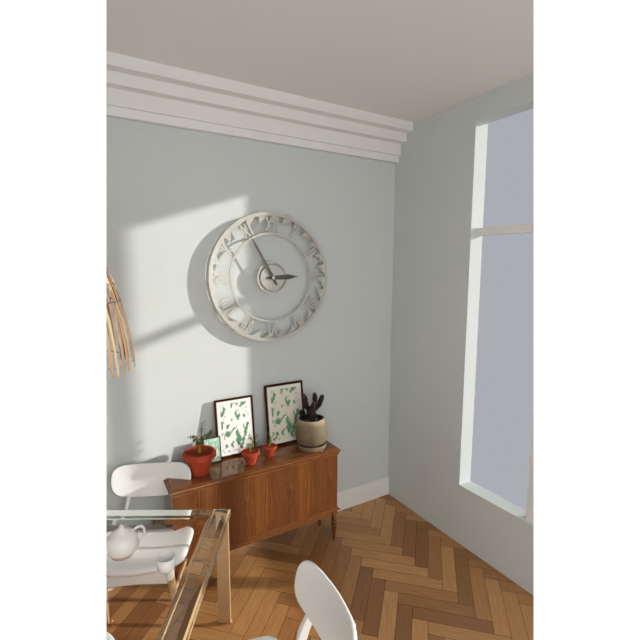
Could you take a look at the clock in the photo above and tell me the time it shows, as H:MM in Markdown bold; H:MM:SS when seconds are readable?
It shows **2:55**
